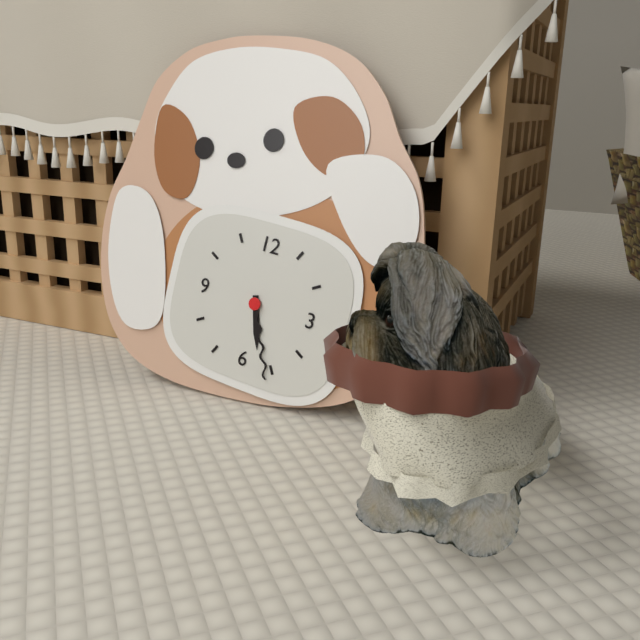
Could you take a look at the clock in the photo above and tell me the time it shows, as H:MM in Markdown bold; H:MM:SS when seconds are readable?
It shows **5:26**
